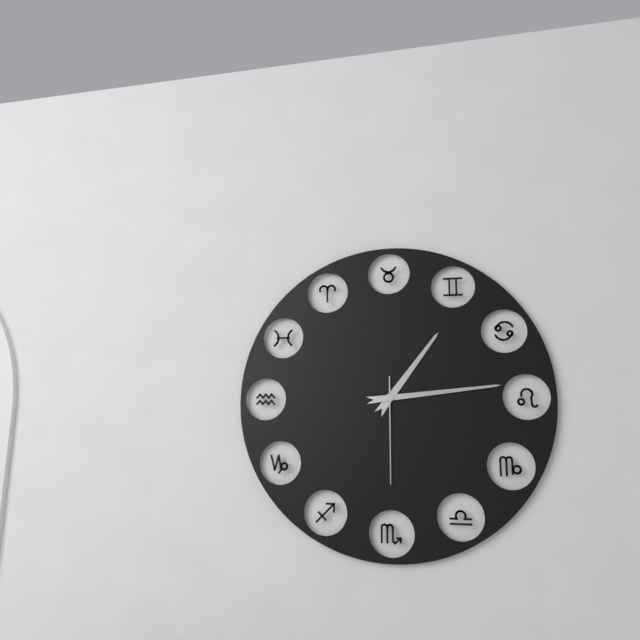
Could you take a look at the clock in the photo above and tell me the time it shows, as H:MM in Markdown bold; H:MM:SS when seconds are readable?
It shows **1:14:30**
